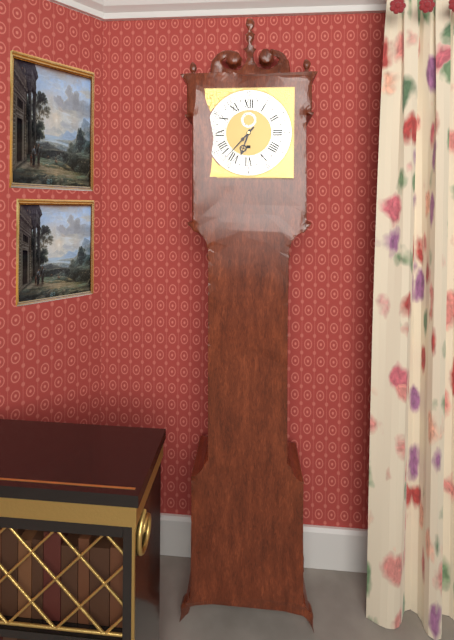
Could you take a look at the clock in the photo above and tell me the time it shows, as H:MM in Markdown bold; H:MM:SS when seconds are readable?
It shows **6:37**
